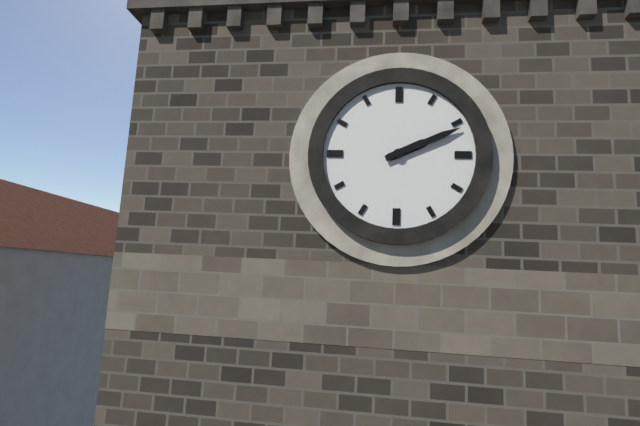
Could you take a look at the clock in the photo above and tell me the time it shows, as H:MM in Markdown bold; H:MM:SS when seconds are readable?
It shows **2:11**
